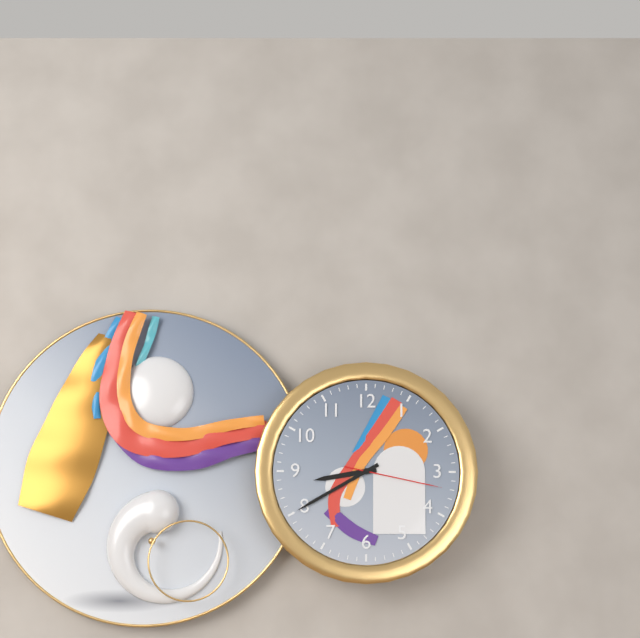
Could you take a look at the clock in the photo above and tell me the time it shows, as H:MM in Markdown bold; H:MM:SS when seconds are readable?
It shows **8:40:17**
